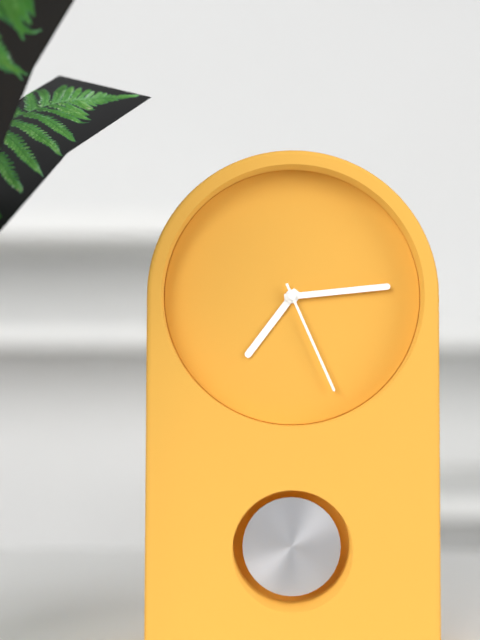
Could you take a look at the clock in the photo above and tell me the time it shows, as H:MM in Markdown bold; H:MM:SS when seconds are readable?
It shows **7:14:26**
